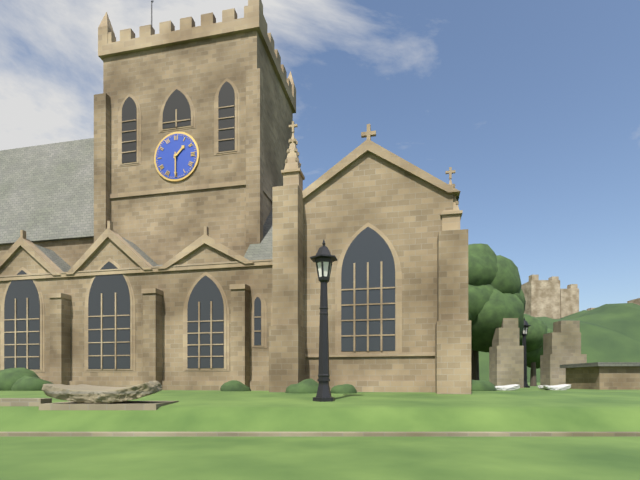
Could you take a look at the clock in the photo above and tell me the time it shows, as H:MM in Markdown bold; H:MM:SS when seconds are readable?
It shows **1:30**
